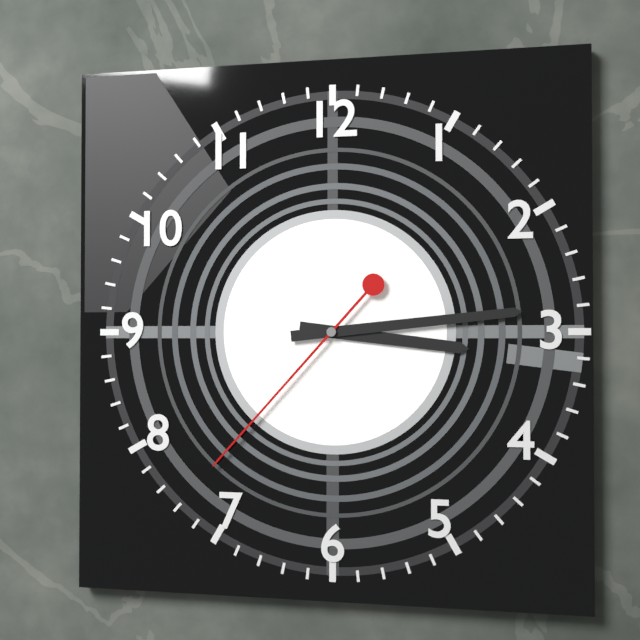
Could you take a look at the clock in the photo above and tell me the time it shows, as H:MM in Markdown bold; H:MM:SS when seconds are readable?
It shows **3:14:37**
